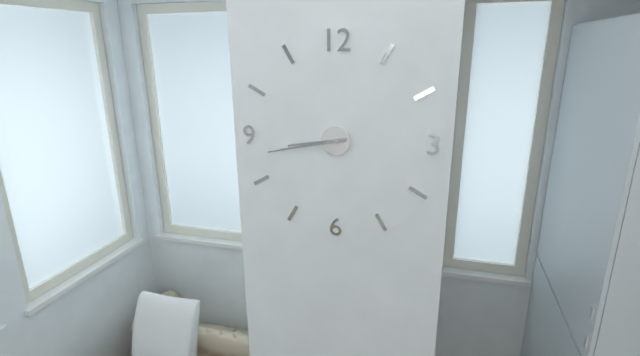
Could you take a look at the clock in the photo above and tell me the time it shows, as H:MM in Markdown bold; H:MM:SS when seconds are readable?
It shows **8:43**
